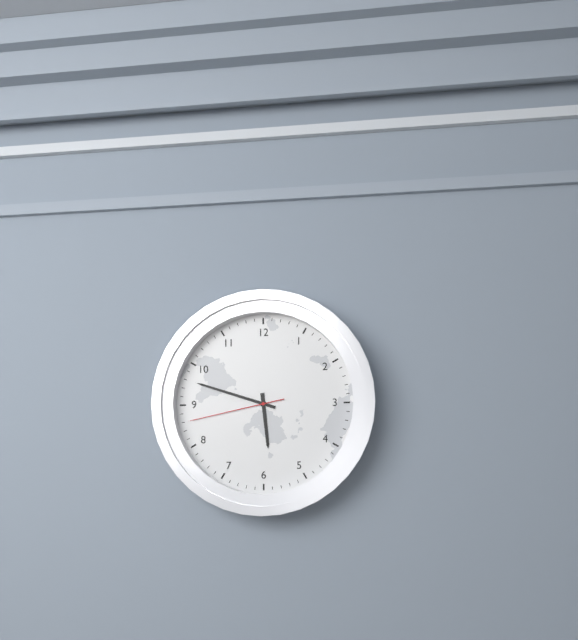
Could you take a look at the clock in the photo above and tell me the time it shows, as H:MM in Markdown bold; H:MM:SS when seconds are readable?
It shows **5:48:43**
